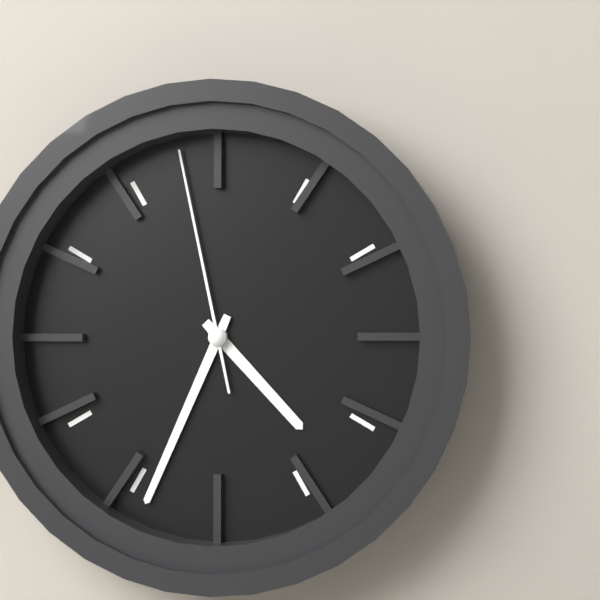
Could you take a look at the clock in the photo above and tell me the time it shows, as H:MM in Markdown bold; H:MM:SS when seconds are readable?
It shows **4:34:58**
